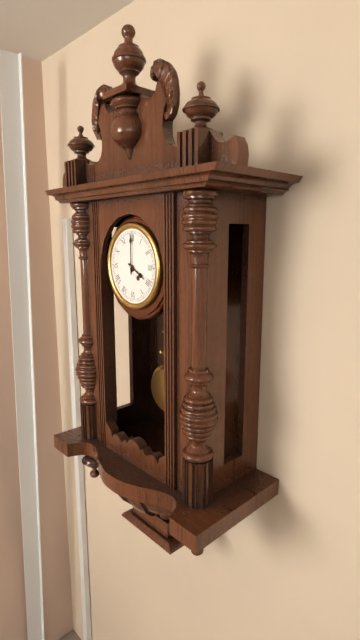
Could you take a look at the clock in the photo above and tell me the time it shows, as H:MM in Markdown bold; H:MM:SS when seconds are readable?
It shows **4:00**
